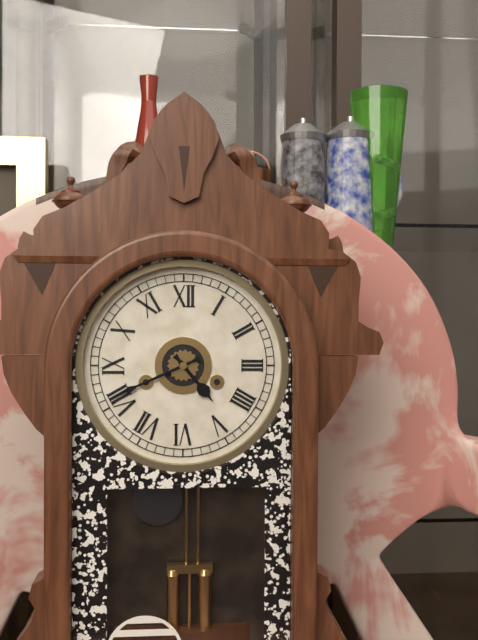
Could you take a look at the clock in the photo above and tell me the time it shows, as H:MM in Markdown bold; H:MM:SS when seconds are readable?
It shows **4:41**
